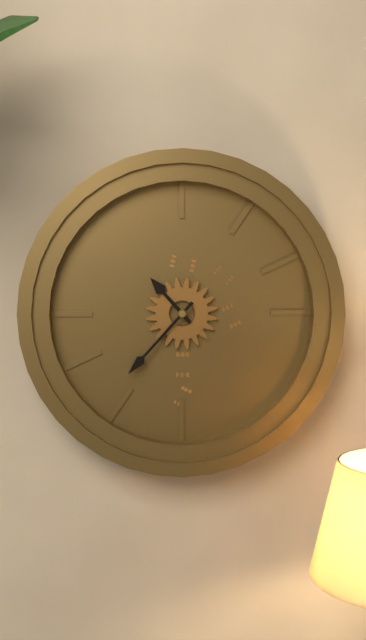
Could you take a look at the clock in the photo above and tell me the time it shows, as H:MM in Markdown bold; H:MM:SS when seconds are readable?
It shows **10:37**
